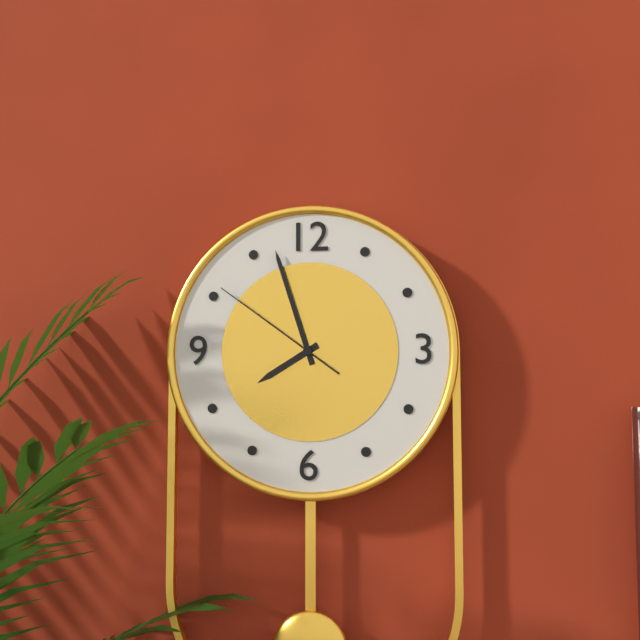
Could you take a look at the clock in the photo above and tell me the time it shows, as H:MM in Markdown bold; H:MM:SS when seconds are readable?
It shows **7:57:51**
